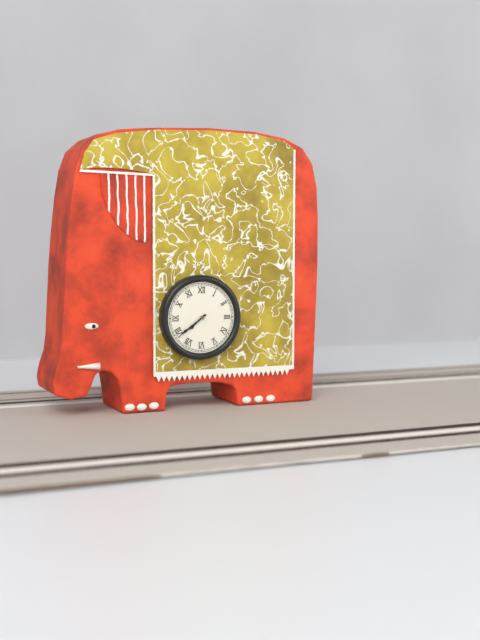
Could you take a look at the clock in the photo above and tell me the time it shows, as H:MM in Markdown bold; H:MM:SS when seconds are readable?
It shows **7:39**
